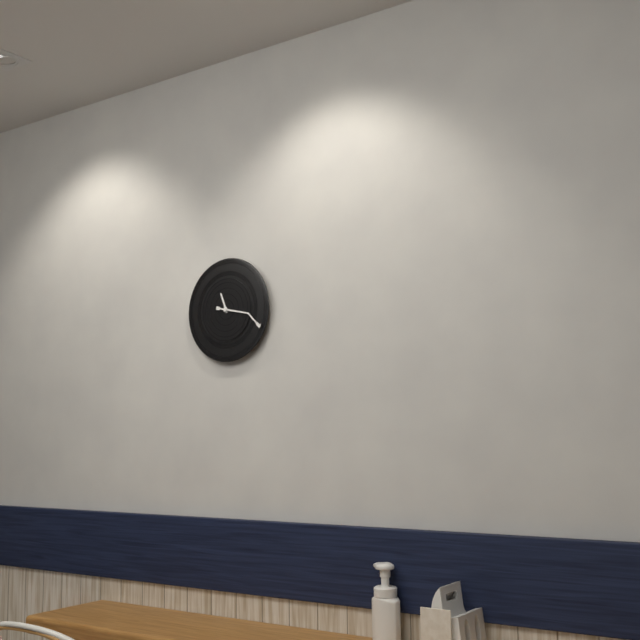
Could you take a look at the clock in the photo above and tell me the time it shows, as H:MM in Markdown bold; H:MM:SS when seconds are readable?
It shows **11:17**
